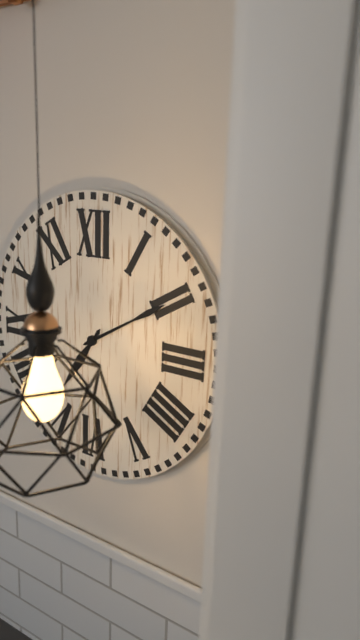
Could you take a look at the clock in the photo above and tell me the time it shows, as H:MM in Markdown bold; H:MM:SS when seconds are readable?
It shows **7:10**
